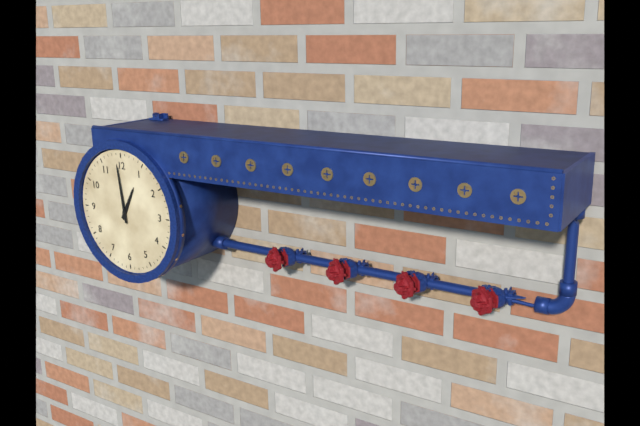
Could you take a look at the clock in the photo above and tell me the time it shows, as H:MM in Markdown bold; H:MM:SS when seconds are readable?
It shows **12:59**
